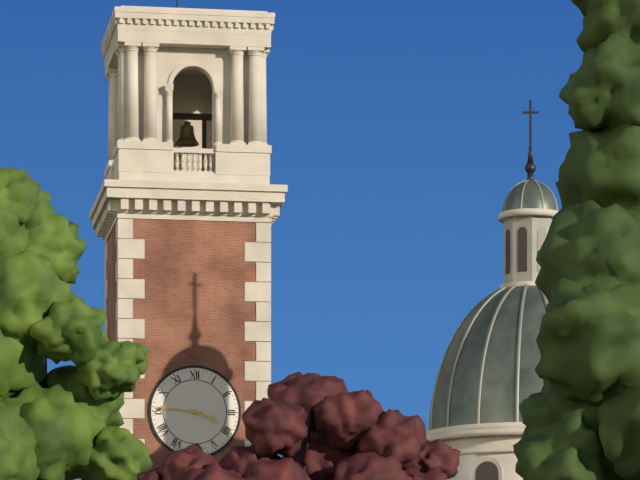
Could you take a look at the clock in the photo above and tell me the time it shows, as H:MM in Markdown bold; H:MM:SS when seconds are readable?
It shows **3:46**
